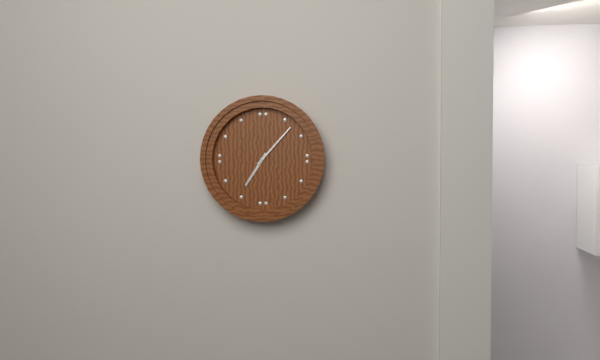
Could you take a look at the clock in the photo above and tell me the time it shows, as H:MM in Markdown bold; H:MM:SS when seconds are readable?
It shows **7:07**
